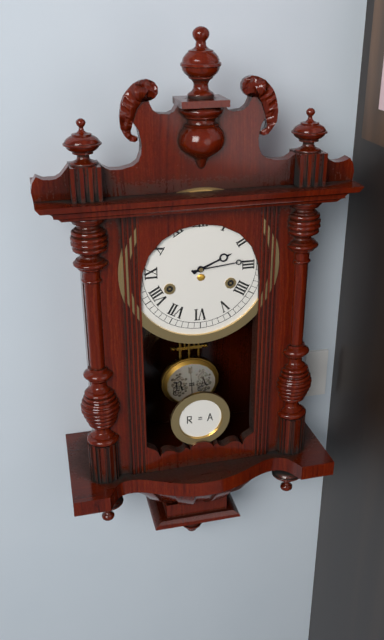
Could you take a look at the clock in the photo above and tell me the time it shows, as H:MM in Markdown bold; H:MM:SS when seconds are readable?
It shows **2:14**
